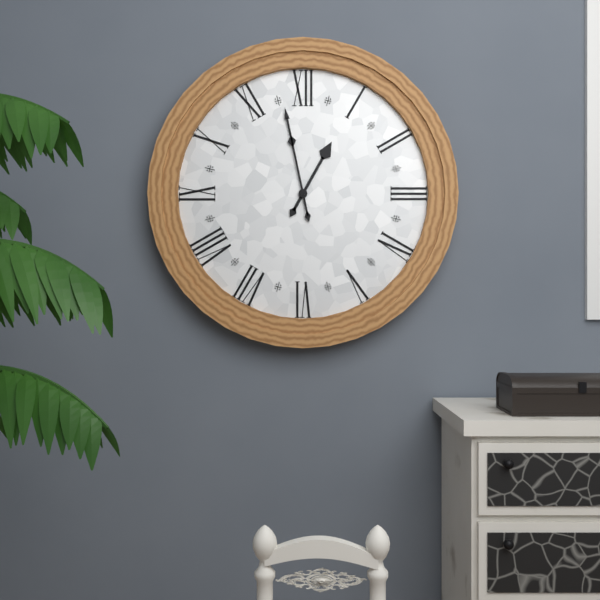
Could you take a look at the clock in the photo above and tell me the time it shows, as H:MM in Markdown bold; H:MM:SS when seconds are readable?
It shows **12:58**
